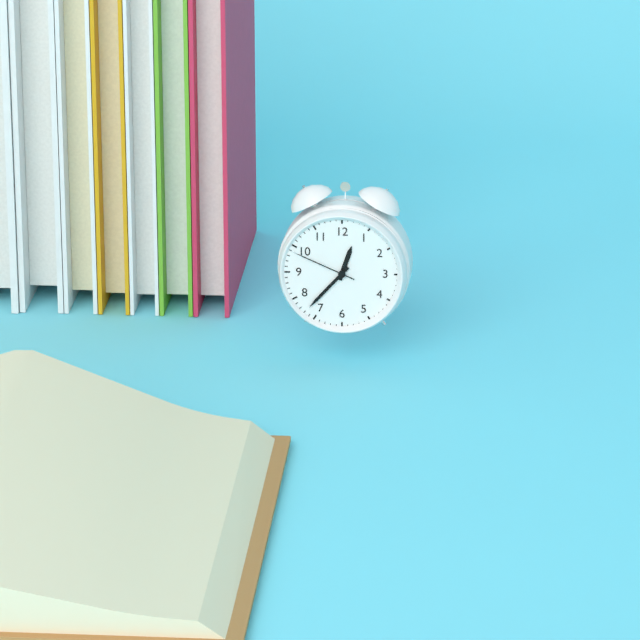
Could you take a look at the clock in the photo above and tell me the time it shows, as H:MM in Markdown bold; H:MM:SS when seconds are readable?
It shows **12:37:49**
